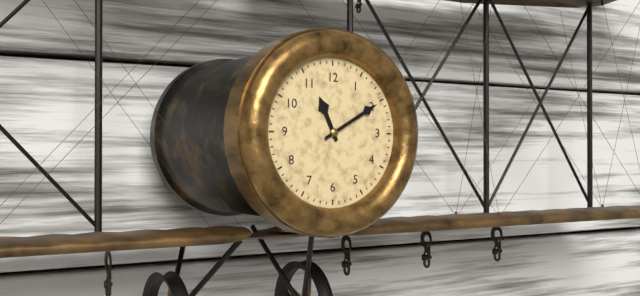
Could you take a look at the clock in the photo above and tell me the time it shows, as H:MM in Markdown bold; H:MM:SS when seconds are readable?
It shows **11:10**
